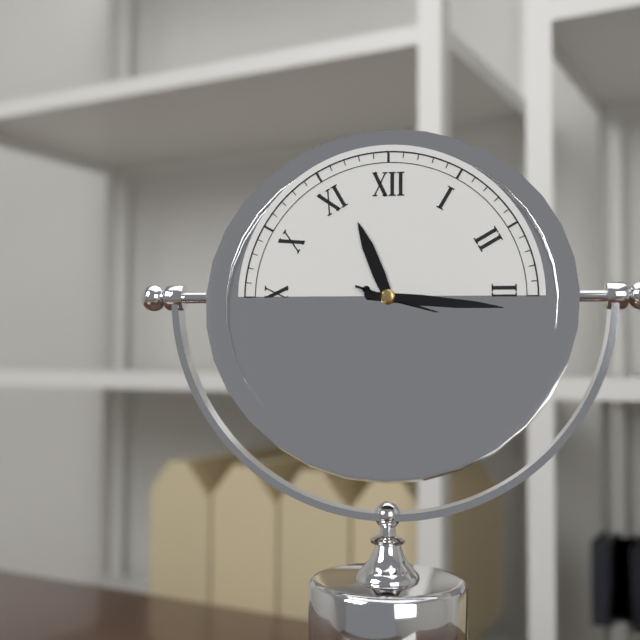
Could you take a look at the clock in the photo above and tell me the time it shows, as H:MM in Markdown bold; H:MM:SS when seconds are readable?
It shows **11:16**
